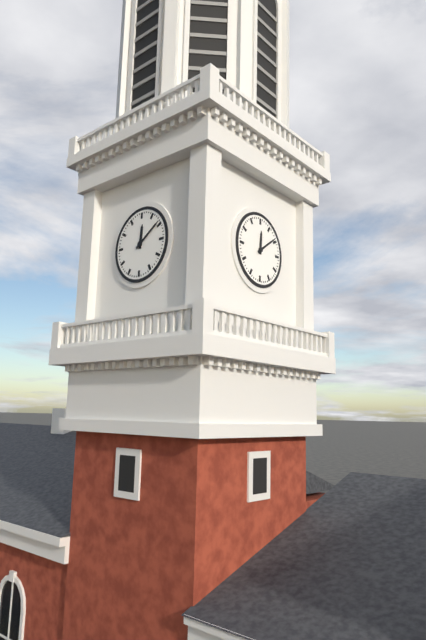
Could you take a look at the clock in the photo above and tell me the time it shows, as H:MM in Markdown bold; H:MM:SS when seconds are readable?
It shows **12:09**
